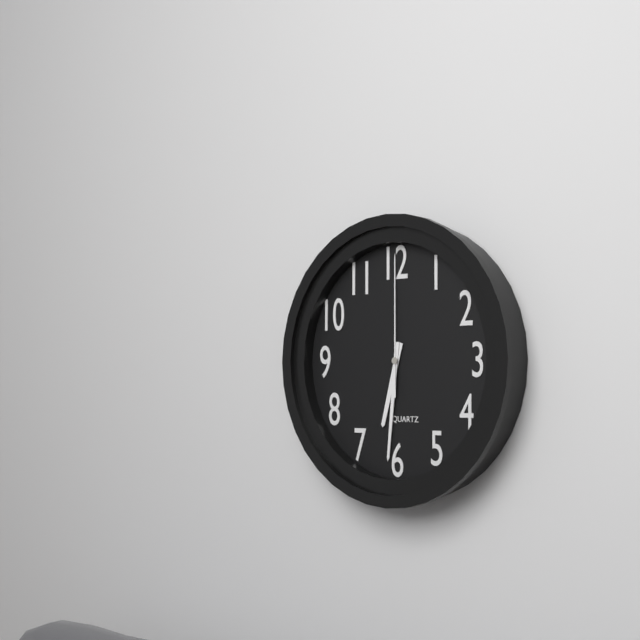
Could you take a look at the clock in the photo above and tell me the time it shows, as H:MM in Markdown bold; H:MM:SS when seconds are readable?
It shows **6:31:00**
